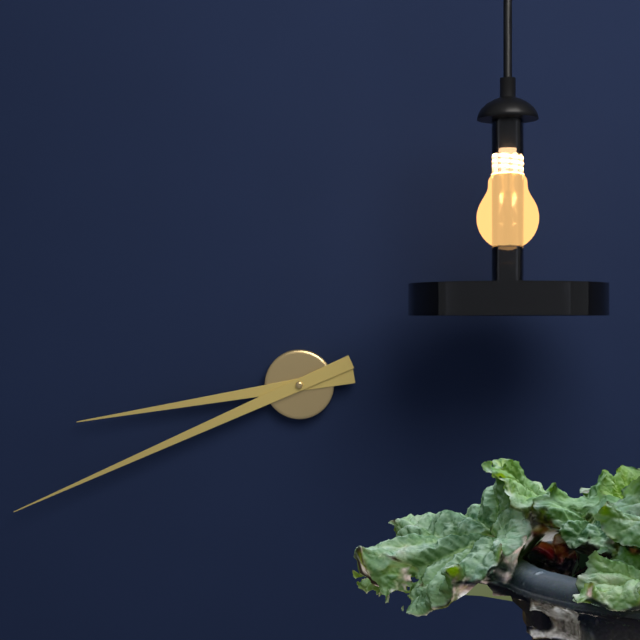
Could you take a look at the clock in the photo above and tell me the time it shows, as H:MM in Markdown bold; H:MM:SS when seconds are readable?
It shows **8:41**
